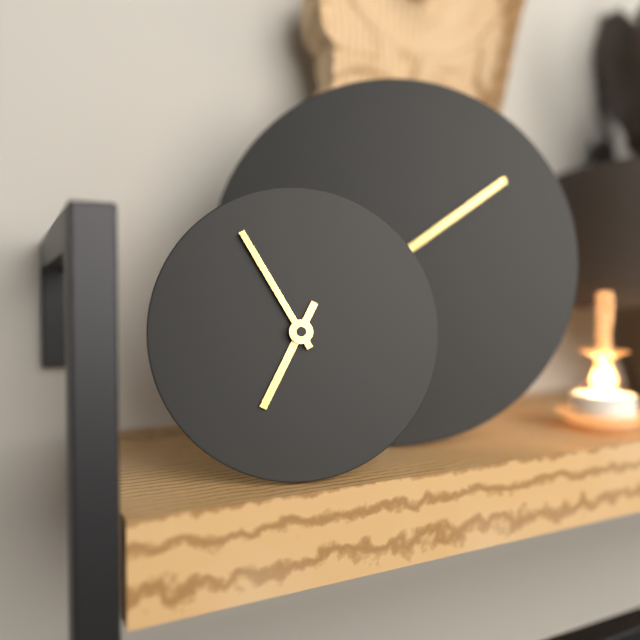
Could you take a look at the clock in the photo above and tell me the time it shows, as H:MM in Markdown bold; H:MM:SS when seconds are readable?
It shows **6:55**
